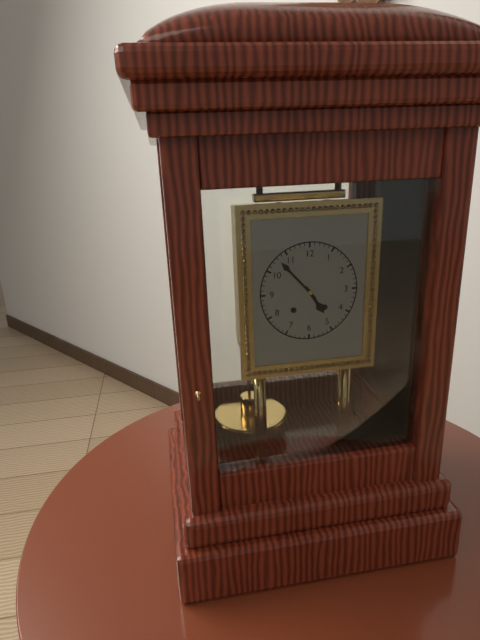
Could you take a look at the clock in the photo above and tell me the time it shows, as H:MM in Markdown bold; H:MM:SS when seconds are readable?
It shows **4:53**
